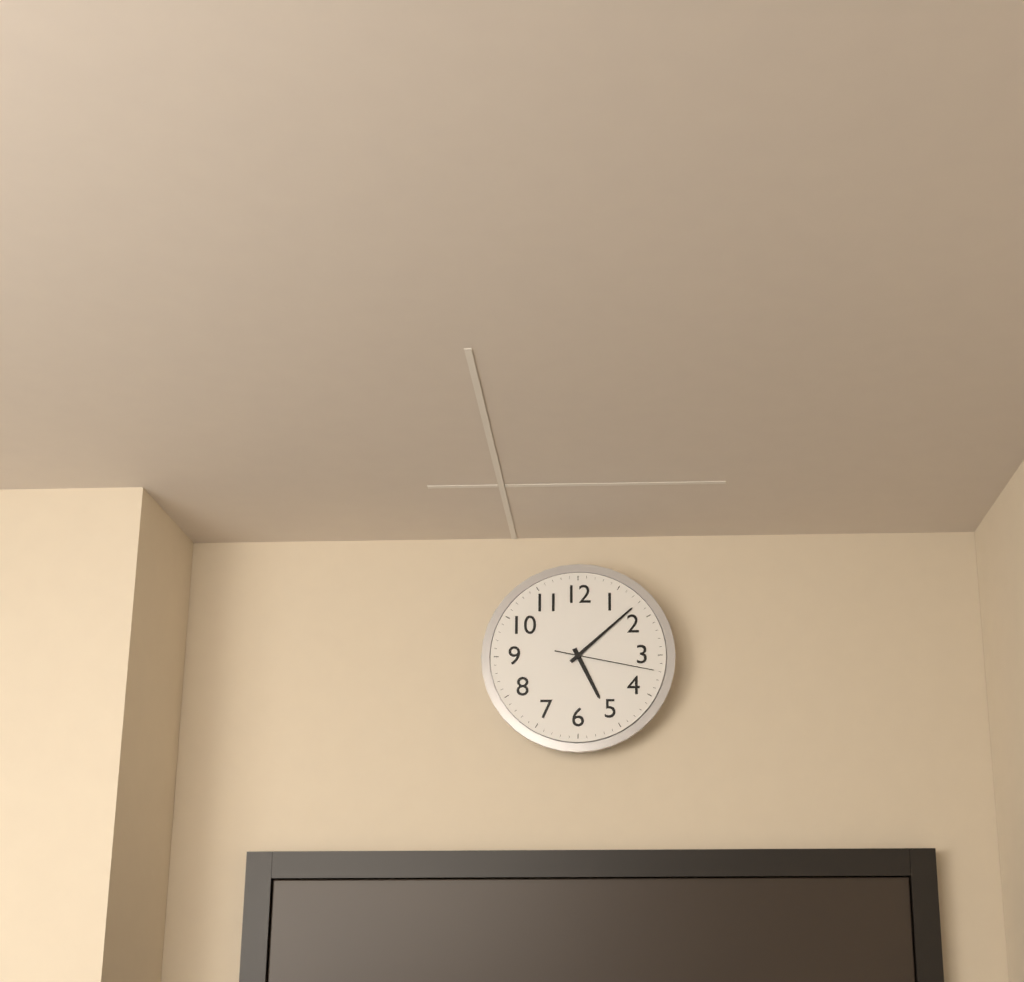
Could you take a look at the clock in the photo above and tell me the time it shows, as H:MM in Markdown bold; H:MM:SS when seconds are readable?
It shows **5:08:17**
